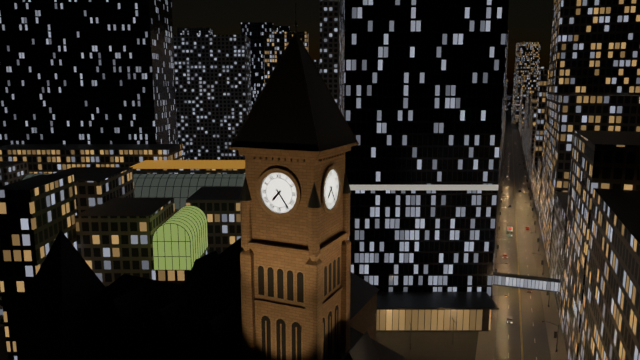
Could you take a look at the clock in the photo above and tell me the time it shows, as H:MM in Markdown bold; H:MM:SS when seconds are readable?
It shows **7:24**
